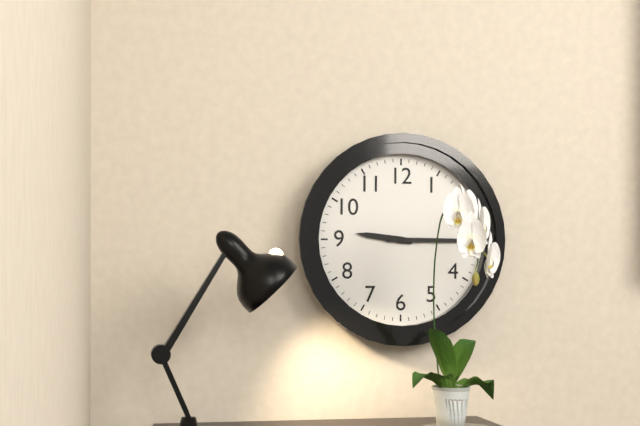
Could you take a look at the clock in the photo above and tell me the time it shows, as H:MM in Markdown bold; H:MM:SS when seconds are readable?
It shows **9:15**
